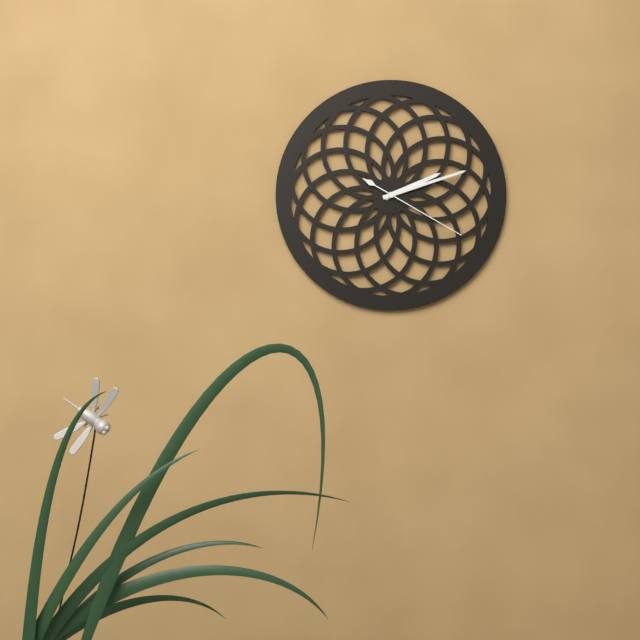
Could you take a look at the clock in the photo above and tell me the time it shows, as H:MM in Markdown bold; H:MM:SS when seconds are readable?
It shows **2:12:20**
